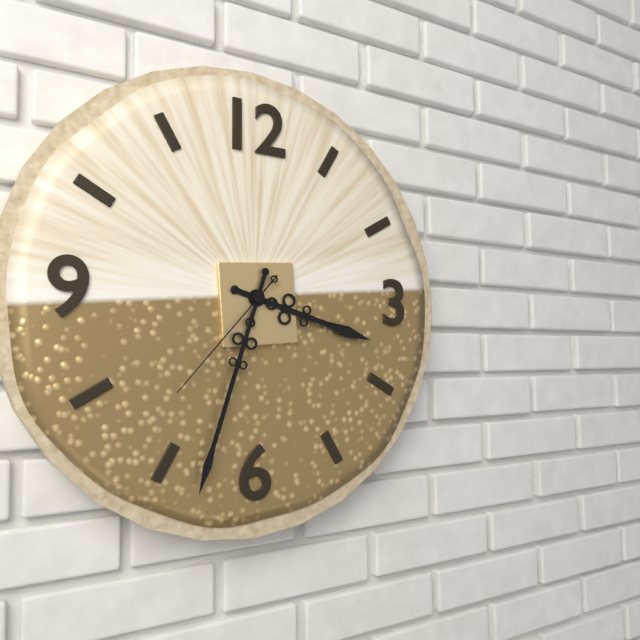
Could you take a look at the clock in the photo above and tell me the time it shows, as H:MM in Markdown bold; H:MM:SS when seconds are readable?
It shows **3:33:37**
